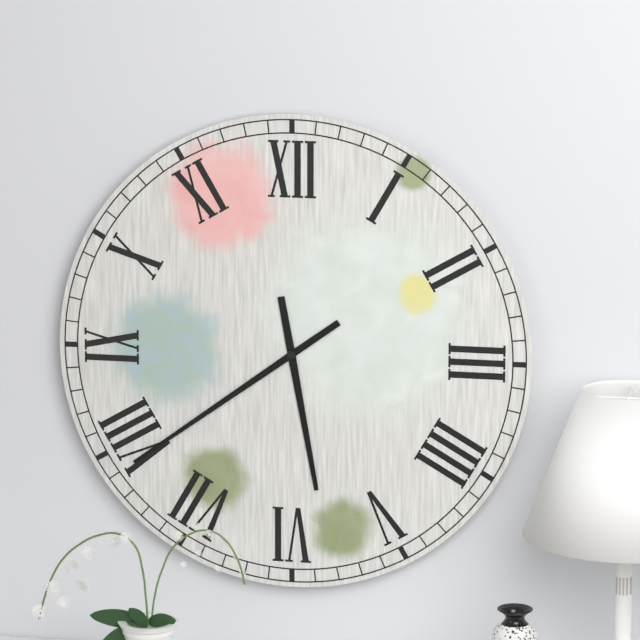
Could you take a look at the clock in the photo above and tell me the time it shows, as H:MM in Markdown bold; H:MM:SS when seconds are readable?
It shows **5:39**
